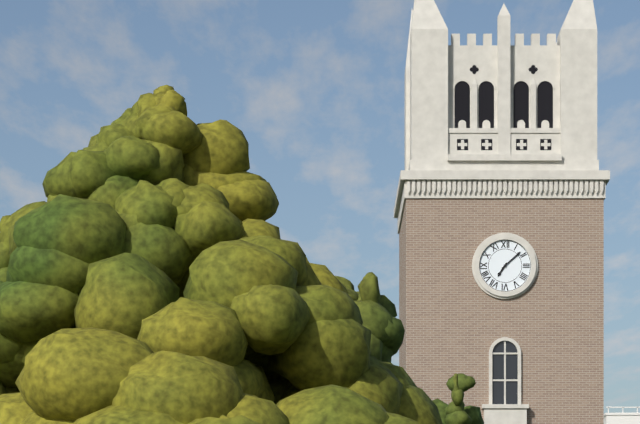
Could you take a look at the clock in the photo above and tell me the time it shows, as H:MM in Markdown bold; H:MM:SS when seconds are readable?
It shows **7:08**
